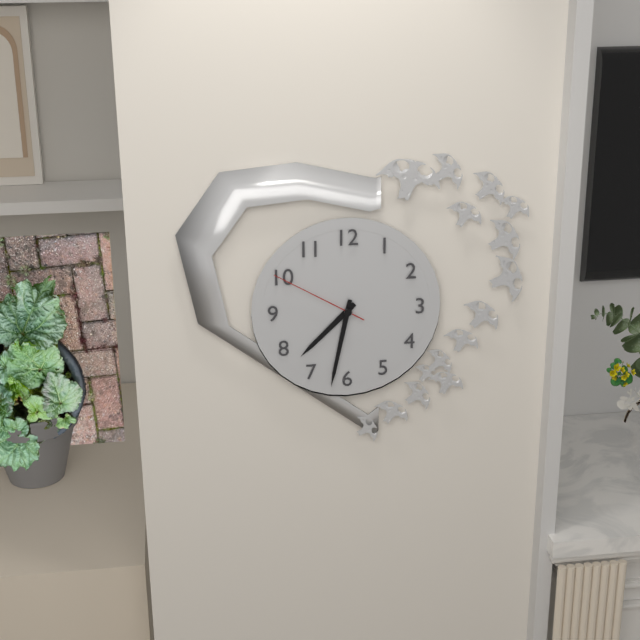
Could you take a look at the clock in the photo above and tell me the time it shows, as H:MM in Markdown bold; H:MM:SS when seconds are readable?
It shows **7:32:50**
